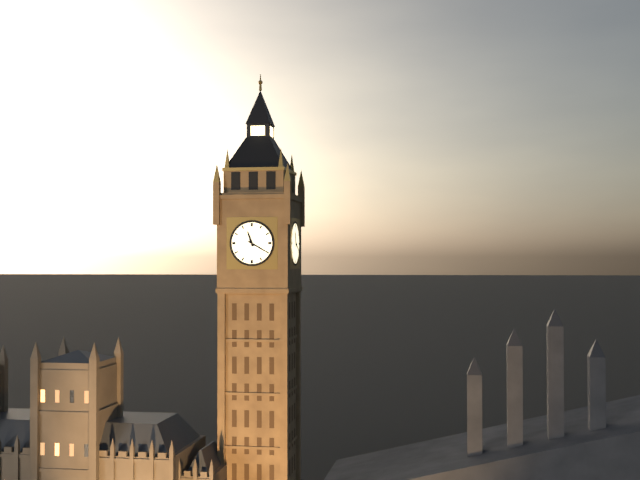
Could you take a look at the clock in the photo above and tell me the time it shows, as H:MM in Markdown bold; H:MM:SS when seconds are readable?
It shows **11:20**
